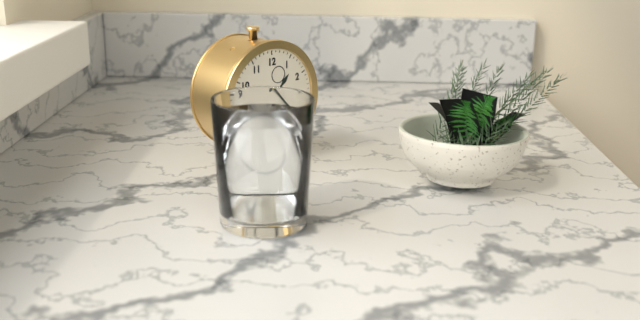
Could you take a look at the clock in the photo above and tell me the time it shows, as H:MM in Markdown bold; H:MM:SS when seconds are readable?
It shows **1:24**
